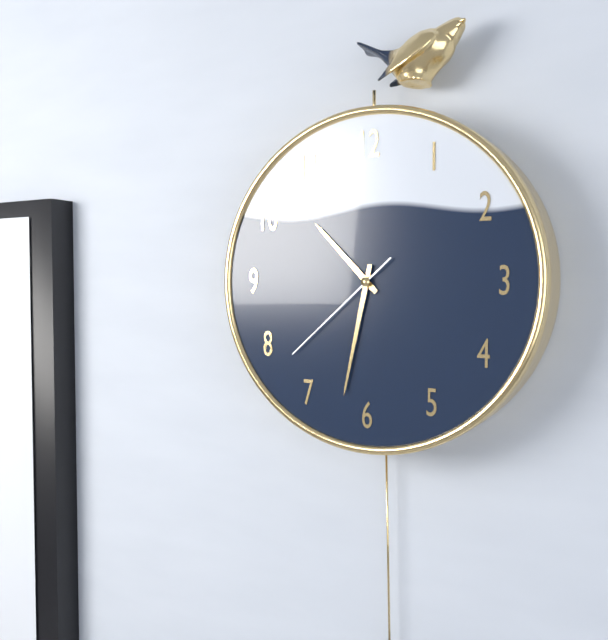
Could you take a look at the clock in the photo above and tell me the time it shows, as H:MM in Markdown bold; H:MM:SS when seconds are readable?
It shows **10:32:38**
